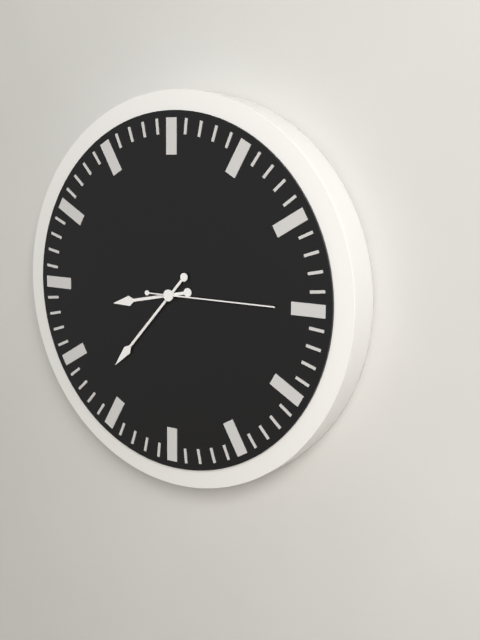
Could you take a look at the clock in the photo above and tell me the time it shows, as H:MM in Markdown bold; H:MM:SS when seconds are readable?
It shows **8:37:15**
